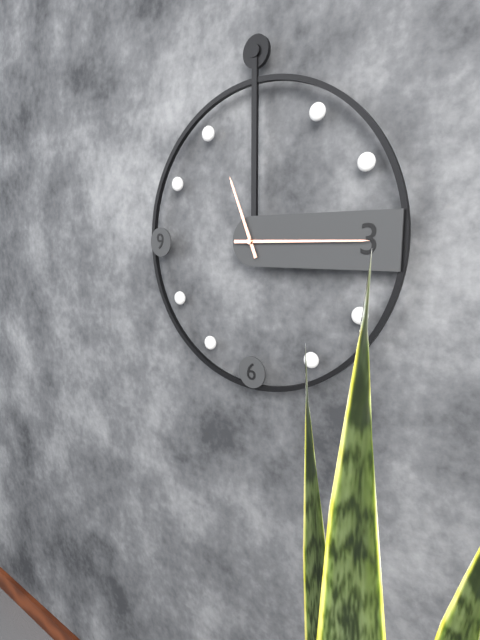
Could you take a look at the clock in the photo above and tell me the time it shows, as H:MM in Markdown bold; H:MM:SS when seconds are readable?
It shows **11:15**
